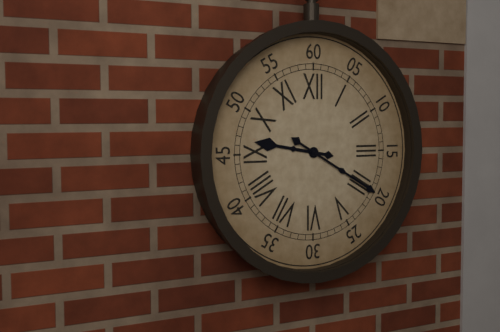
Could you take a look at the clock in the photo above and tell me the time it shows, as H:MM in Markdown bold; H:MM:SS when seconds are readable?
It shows **9:20**
